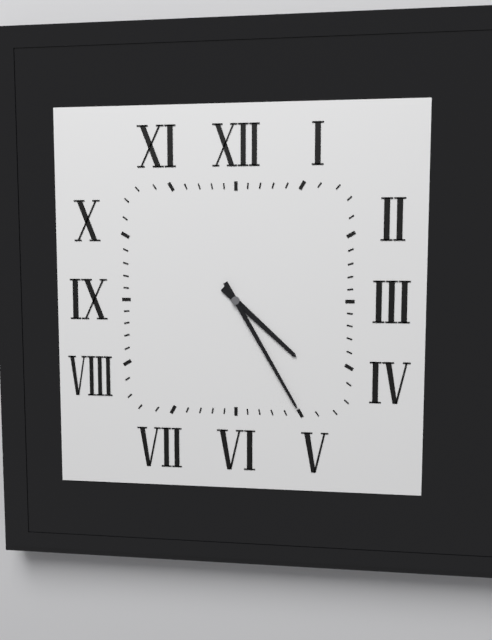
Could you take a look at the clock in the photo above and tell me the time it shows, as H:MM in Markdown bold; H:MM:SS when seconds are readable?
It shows **4:25**
